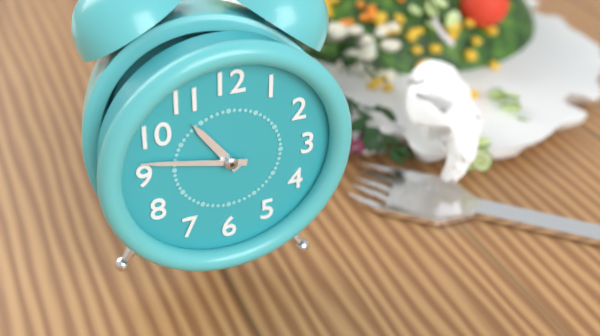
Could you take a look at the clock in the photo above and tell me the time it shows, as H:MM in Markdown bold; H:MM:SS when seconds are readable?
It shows **10:47**
